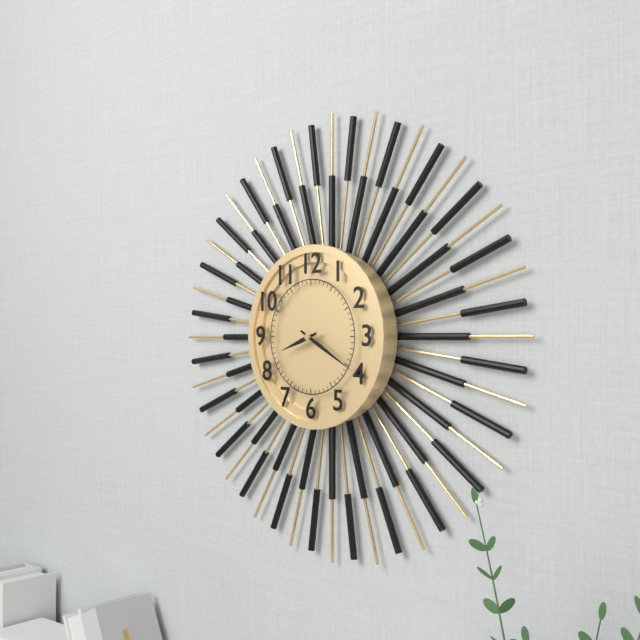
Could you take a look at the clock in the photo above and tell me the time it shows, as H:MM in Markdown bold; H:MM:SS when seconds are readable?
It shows **8:20**
